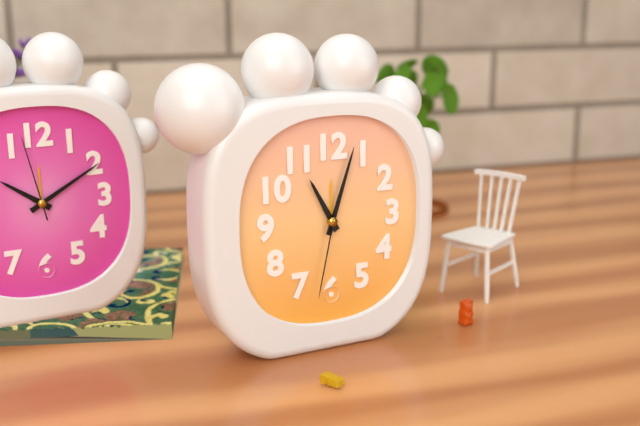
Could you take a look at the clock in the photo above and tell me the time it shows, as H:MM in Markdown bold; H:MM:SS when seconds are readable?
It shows **11:03:32**
